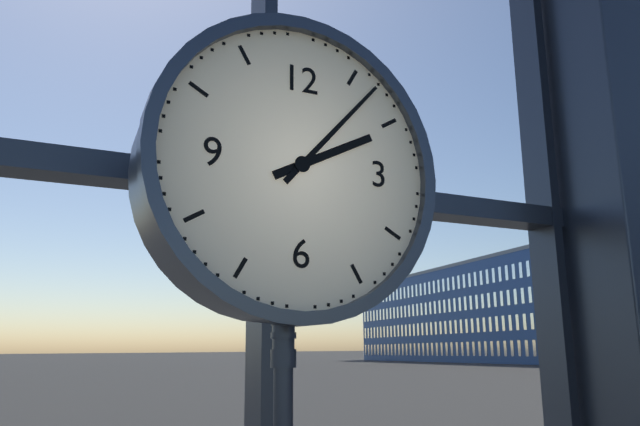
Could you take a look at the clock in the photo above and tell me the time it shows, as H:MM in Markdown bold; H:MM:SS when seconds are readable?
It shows **2:07**
